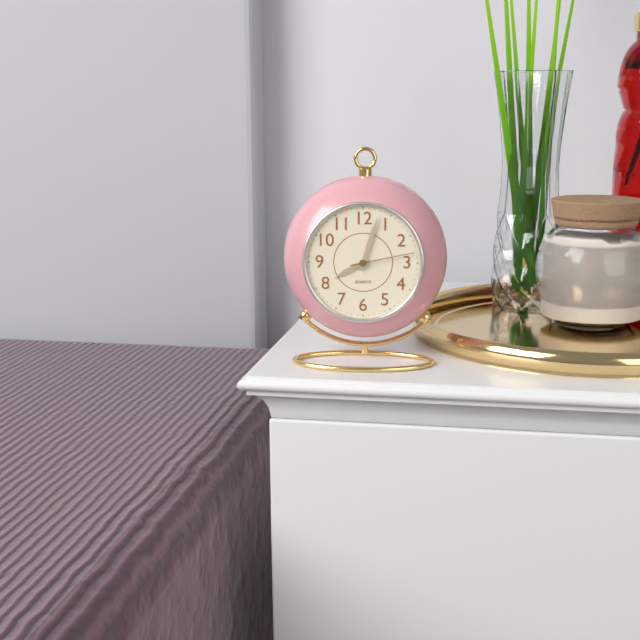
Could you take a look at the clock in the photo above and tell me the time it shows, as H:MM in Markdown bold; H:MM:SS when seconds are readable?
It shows **8:03:13**
